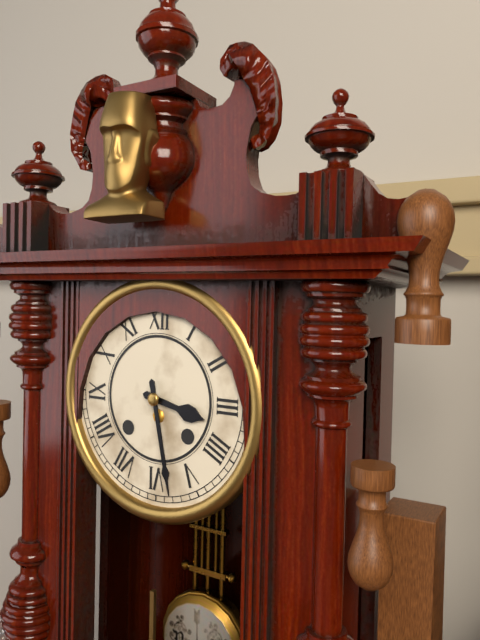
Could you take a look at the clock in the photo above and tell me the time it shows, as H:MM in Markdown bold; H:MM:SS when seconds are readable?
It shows **3:28**
